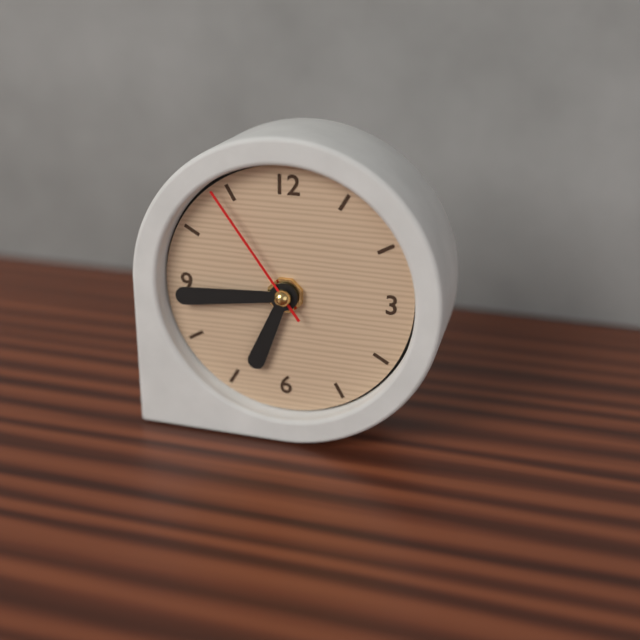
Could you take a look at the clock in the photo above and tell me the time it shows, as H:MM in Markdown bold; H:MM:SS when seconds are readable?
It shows **6:44:54**
